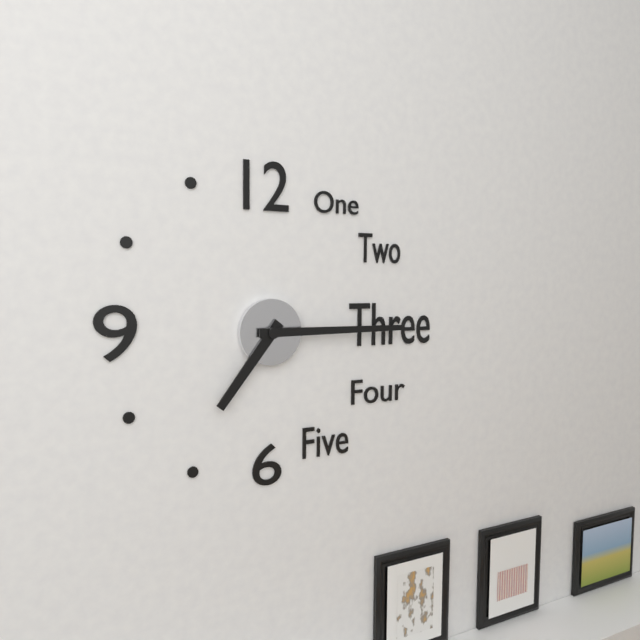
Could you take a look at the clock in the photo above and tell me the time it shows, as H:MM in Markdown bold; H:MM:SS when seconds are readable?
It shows **7:15**
